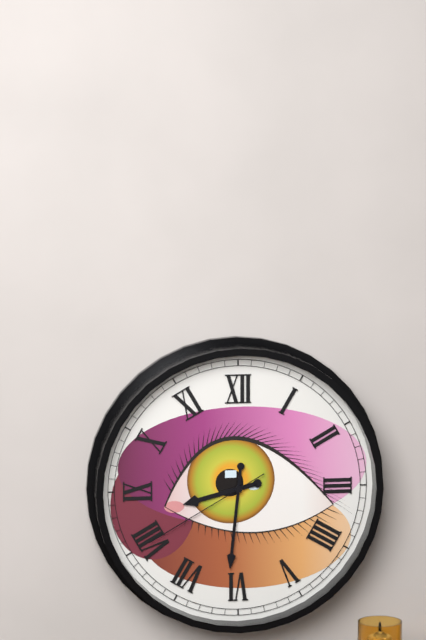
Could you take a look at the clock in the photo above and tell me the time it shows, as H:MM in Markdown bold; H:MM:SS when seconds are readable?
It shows **8:31:40**
